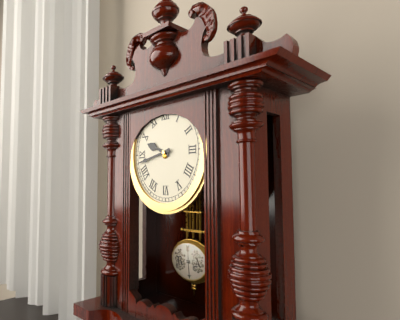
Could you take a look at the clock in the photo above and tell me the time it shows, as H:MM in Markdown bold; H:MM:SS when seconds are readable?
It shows **9:43**
